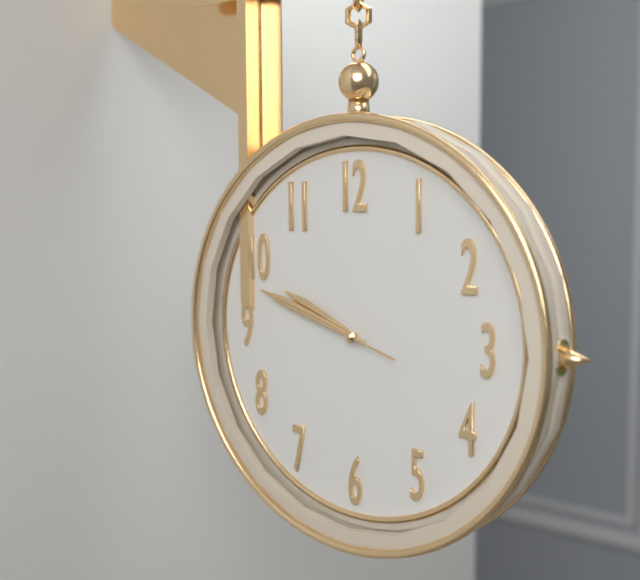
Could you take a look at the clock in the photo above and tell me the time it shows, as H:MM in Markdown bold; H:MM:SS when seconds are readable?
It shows **9:48:48**
